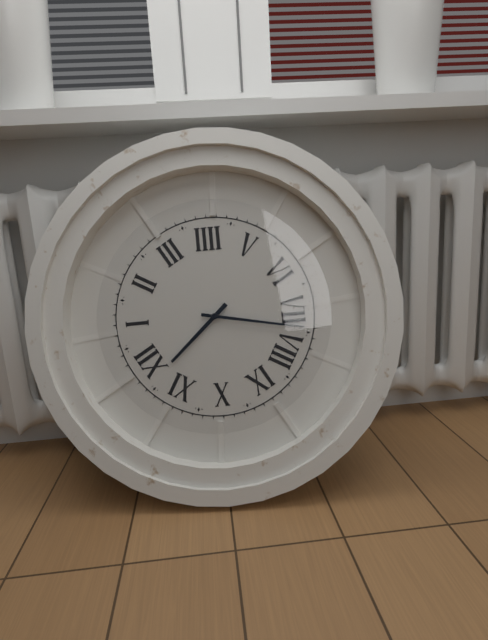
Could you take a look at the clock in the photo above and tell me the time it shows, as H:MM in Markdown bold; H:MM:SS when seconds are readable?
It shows **11:37**
